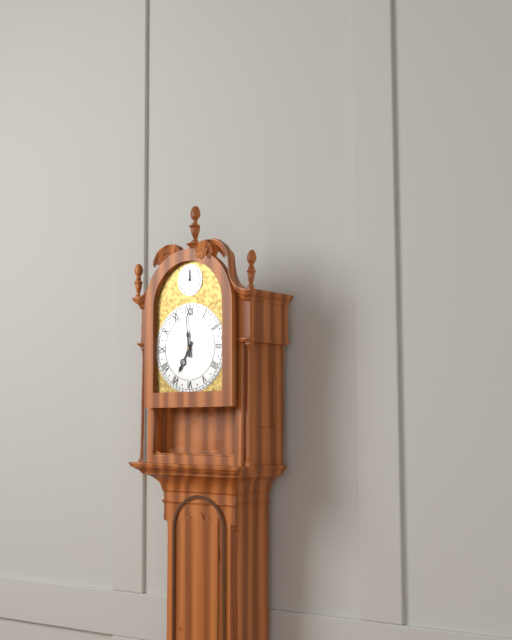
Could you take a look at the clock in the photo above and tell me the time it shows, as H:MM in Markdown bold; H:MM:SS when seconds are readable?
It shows **6:59**
